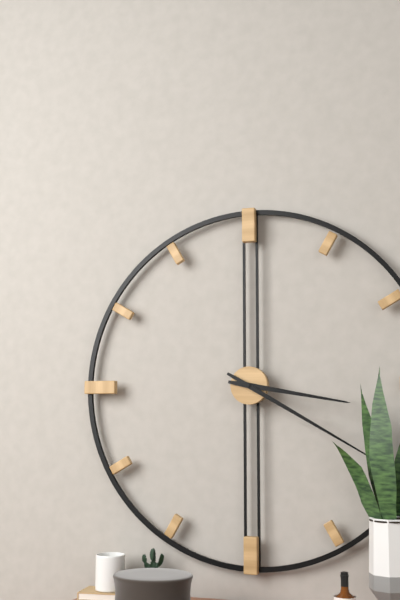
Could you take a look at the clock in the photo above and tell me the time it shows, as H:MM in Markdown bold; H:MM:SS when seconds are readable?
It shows **3:20**
